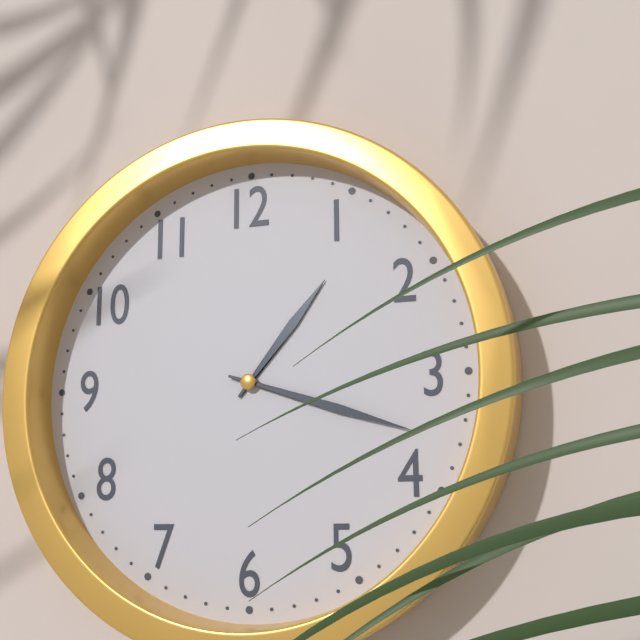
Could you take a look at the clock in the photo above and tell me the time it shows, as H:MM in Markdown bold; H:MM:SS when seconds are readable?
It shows **1:18**
